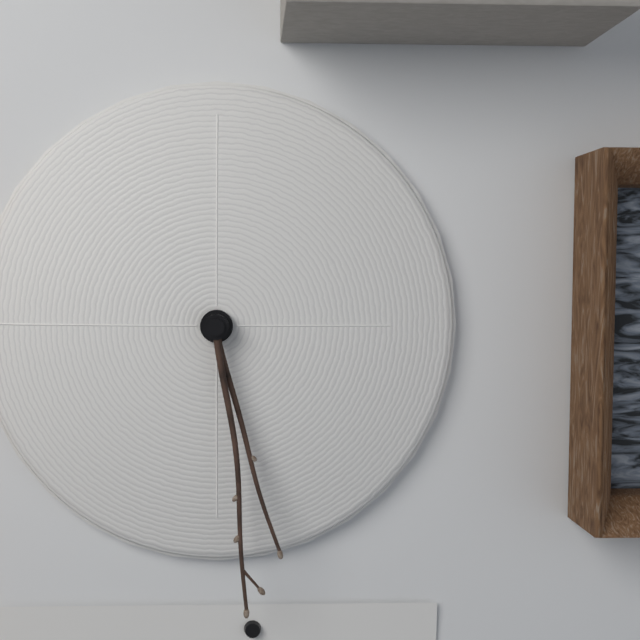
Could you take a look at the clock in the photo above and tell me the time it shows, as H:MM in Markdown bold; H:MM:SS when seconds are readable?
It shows **5:29**
